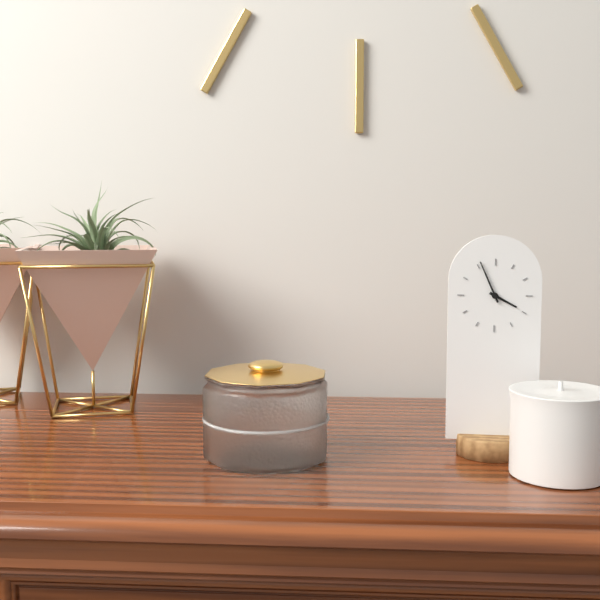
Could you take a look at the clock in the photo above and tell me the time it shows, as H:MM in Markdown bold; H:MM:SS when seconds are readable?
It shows **3:56**
